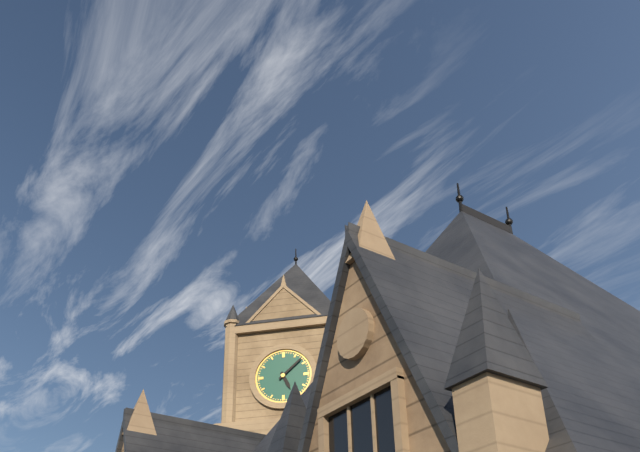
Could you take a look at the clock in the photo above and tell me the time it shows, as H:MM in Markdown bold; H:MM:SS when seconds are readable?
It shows **5:08**
